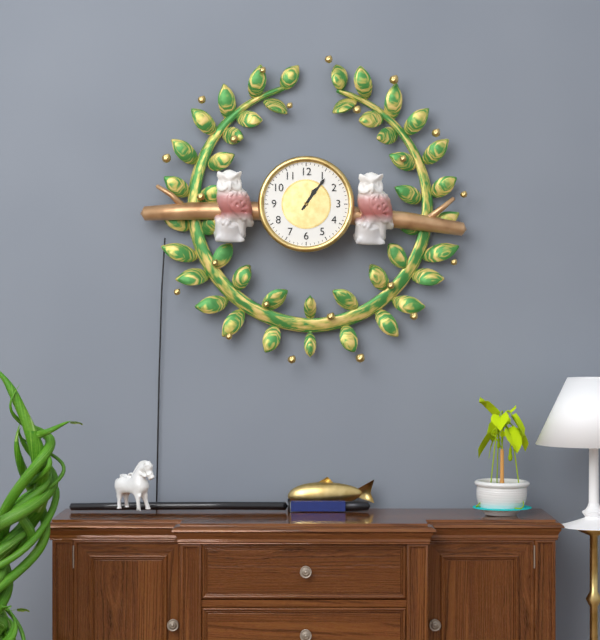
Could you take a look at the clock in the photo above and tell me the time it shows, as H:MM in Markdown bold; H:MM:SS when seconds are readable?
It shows **1:06**
